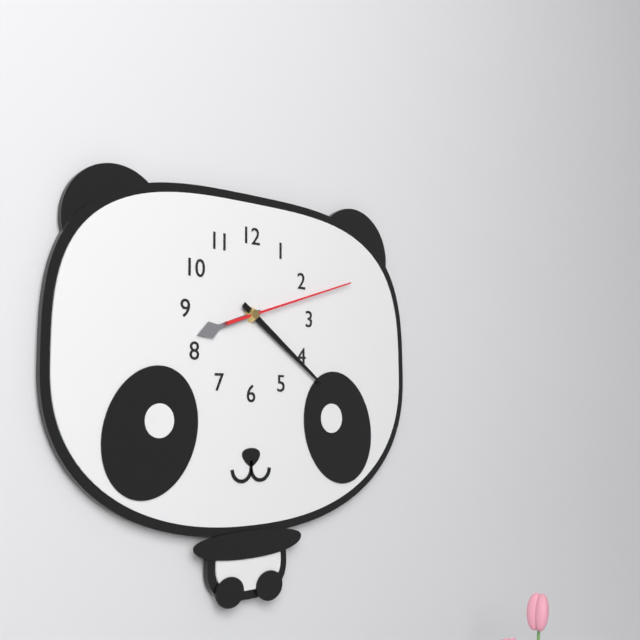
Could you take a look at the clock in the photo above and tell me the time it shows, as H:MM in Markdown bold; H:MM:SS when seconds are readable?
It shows **8:21:12**
